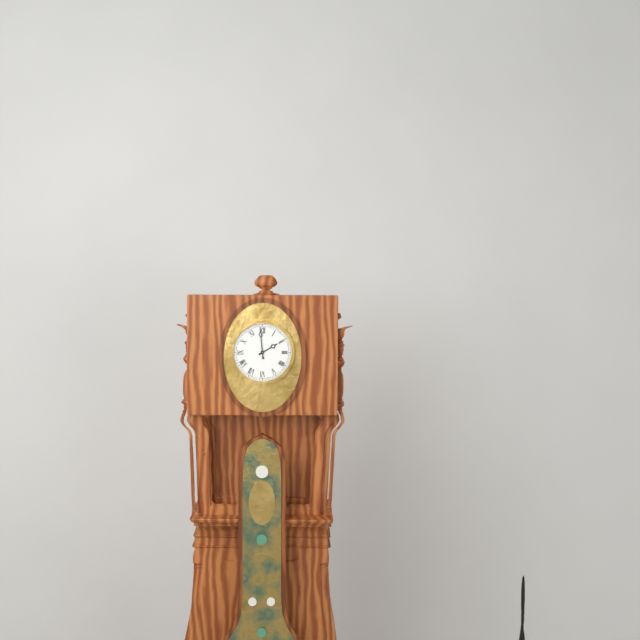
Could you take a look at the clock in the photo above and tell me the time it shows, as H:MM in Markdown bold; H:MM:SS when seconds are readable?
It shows **1:59**
